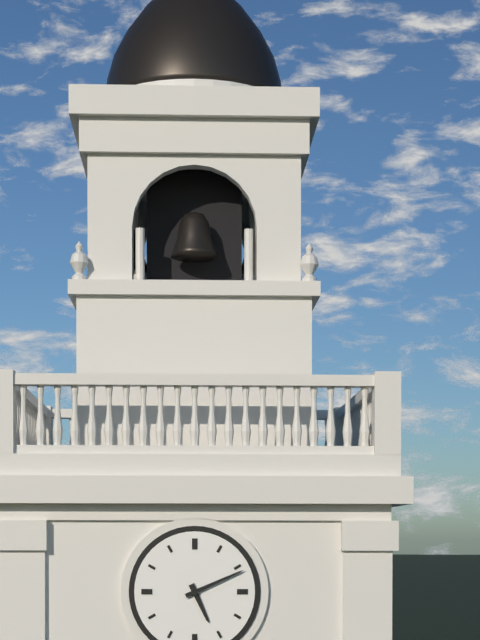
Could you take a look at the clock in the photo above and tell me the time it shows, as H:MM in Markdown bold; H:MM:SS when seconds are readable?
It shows **5:11**
